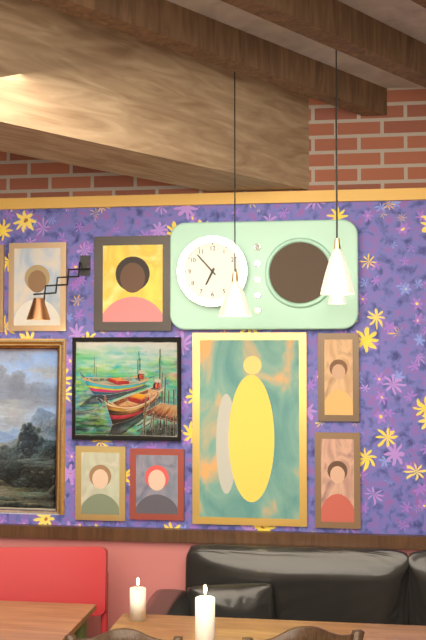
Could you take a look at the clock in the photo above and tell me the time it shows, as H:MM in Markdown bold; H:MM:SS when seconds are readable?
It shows **6:53**
